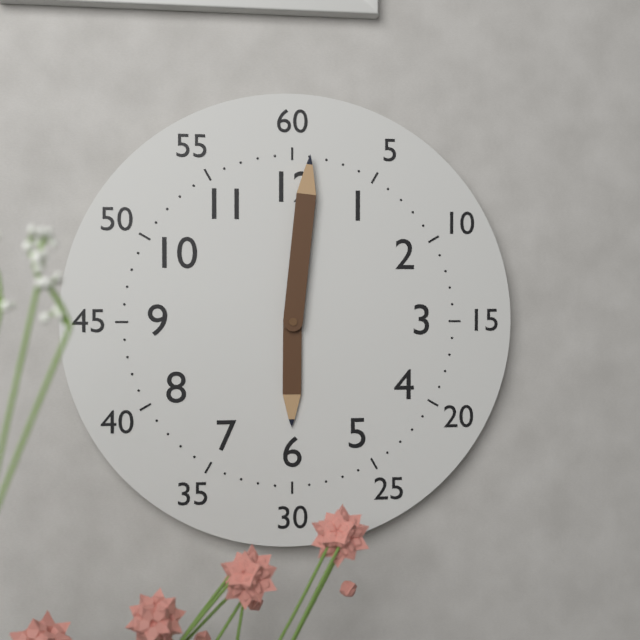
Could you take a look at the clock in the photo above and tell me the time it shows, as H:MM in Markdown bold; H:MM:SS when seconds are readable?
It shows **6:01**
